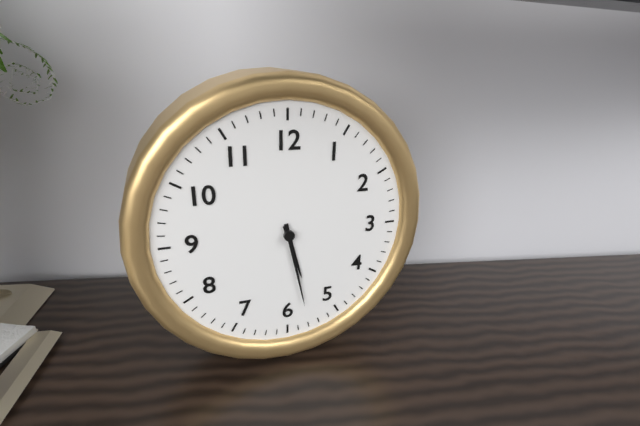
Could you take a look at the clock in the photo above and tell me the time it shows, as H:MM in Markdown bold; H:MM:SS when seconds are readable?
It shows **5:28**
